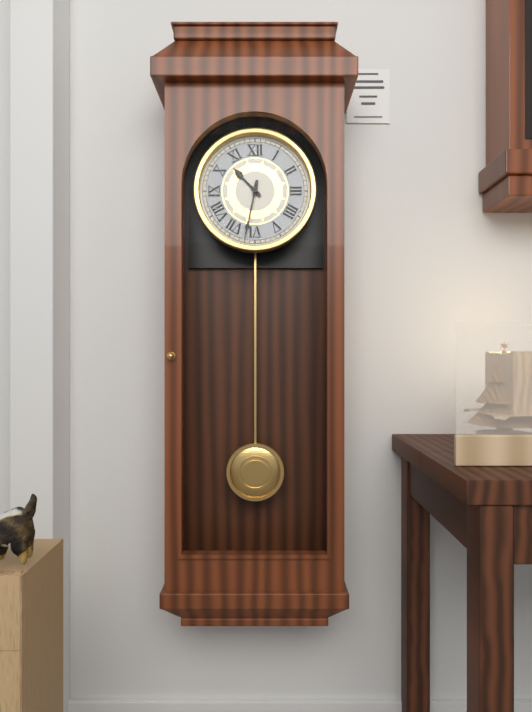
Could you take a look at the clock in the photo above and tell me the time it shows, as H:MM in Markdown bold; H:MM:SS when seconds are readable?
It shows **10:32**
